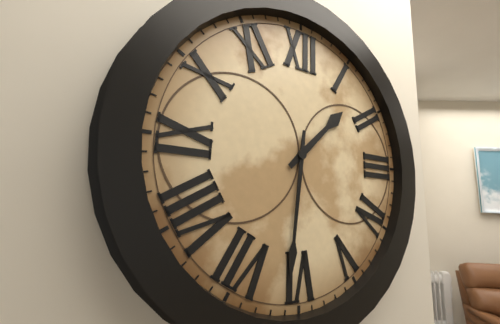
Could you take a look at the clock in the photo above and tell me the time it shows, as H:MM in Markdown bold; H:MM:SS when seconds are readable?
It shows **1:31**
